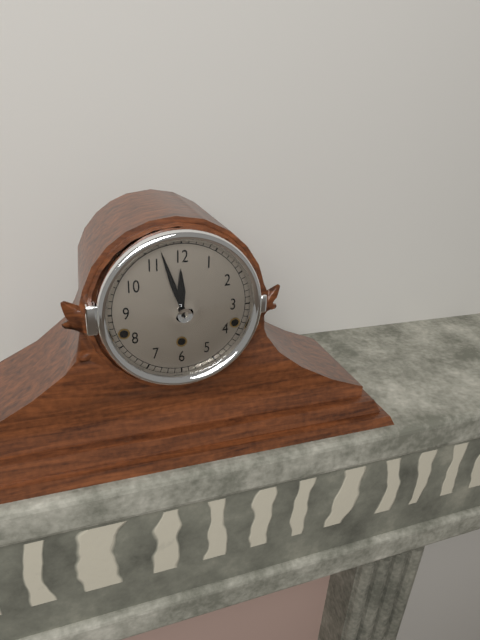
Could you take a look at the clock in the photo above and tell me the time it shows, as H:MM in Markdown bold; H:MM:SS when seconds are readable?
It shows **11:57**
